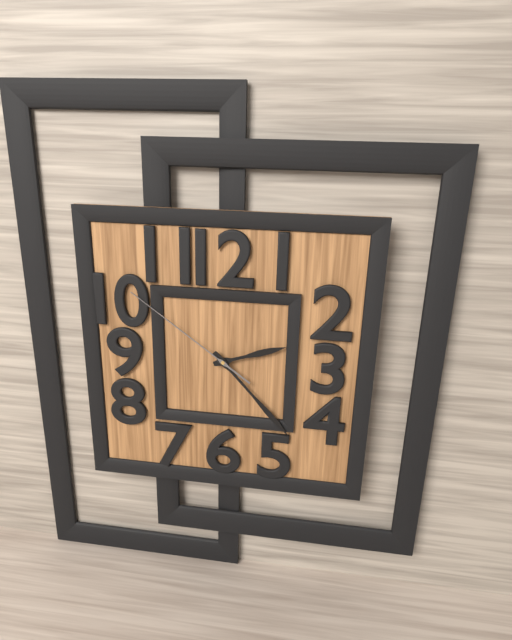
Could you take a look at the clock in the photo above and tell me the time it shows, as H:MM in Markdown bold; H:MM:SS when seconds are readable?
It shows **2:23:51**
